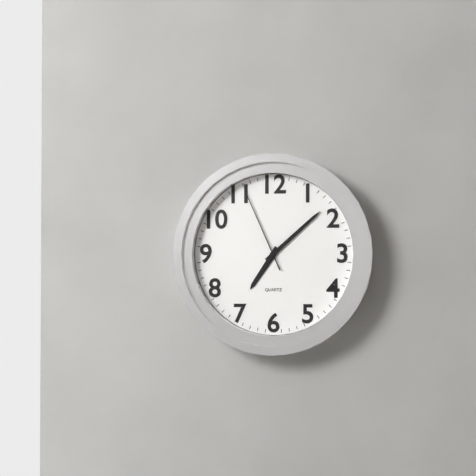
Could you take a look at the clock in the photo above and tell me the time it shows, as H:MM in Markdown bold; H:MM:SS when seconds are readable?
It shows **7:08:56**
